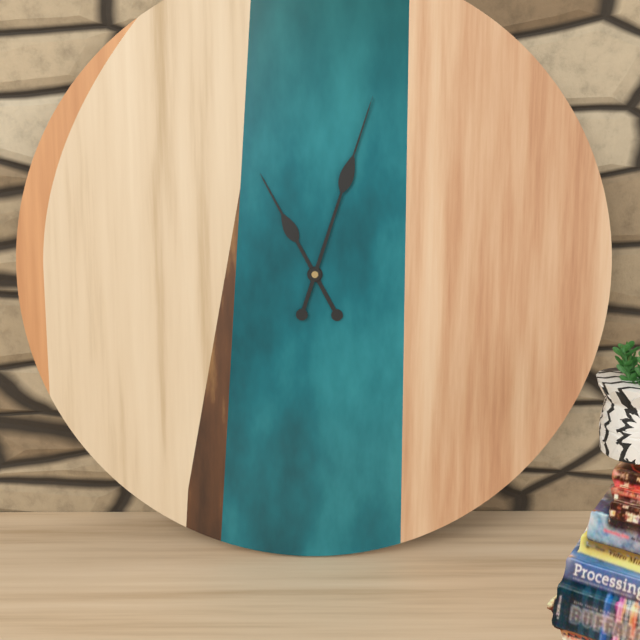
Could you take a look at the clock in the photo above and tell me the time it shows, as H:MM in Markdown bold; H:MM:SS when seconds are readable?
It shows **11:03**
